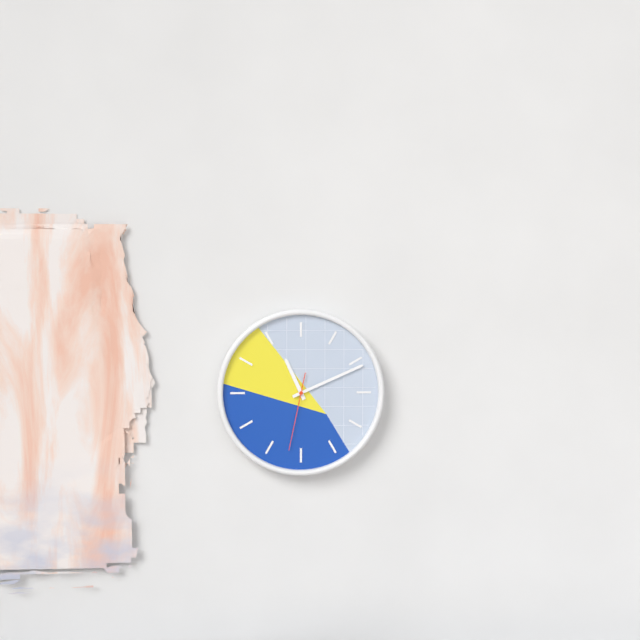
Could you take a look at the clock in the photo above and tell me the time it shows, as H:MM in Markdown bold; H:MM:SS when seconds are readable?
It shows **11:11:32**
